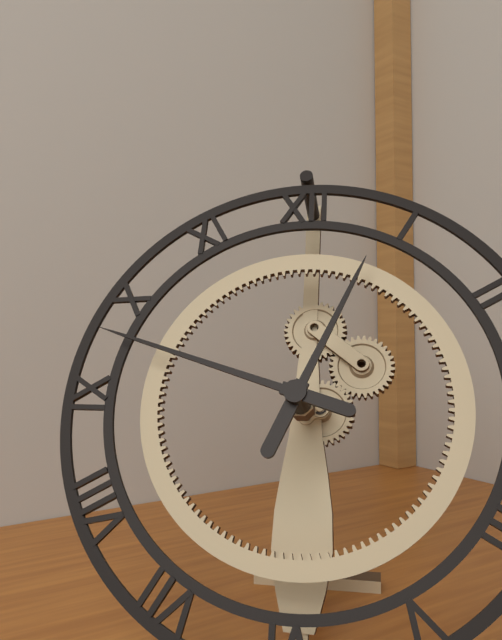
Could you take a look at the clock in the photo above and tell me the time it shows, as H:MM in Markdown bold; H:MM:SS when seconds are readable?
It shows **12:48**
